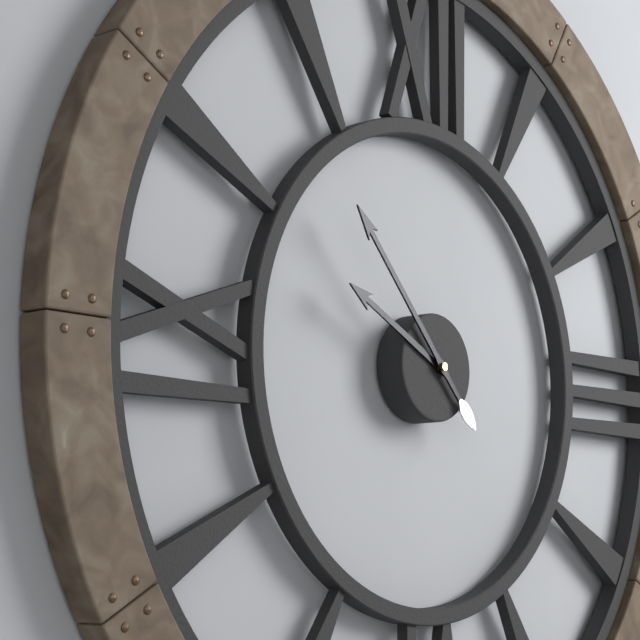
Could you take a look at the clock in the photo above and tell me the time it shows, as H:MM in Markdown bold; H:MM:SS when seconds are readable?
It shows **9:53**
